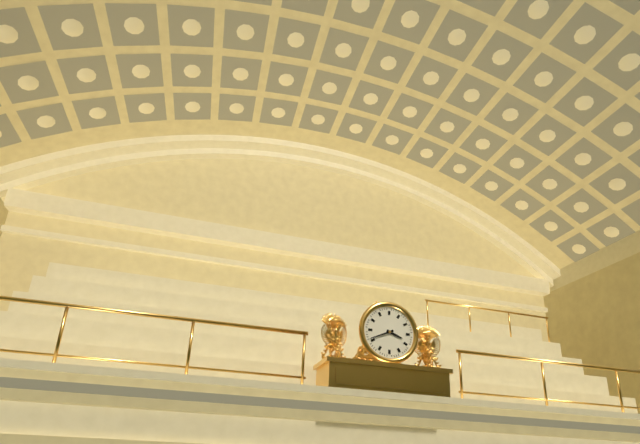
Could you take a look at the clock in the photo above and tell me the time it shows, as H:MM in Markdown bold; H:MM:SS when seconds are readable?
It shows **3:41**
